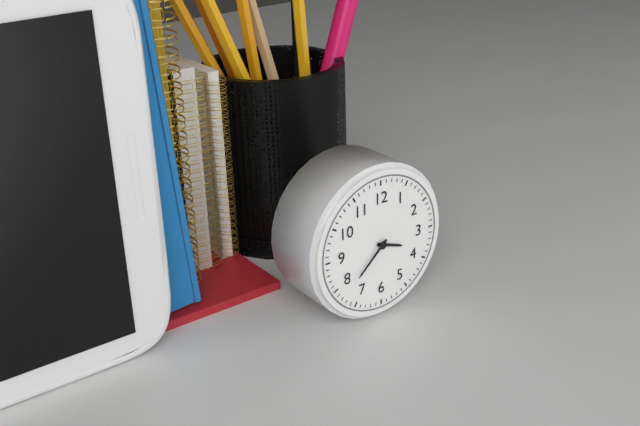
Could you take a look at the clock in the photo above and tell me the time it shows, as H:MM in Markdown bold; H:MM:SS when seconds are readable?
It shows **3:38**
